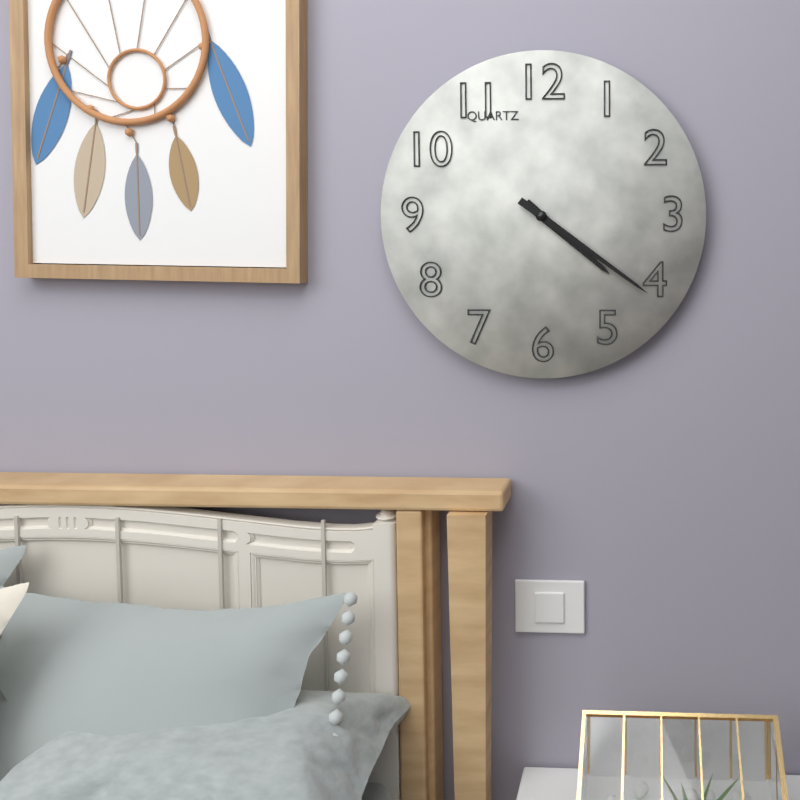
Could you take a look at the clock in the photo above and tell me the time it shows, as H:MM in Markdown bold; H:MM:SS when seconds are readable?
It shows **4:21**
